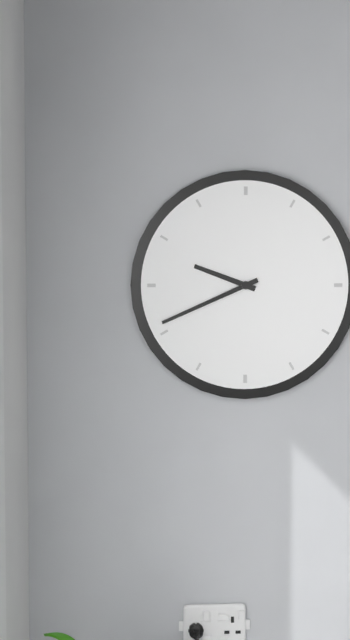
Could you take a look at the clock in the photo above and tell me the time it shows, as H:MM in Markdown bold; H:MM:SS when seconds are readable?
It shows **9:41**
